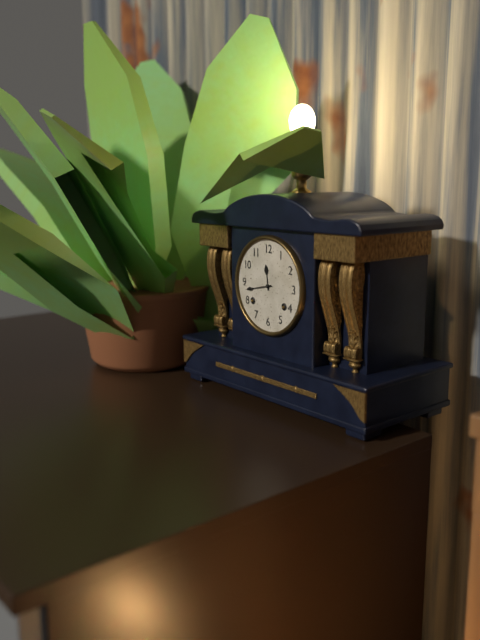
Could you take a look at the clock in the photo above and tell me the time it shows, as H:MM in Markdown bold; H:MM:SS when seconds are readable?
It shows **11:43**
